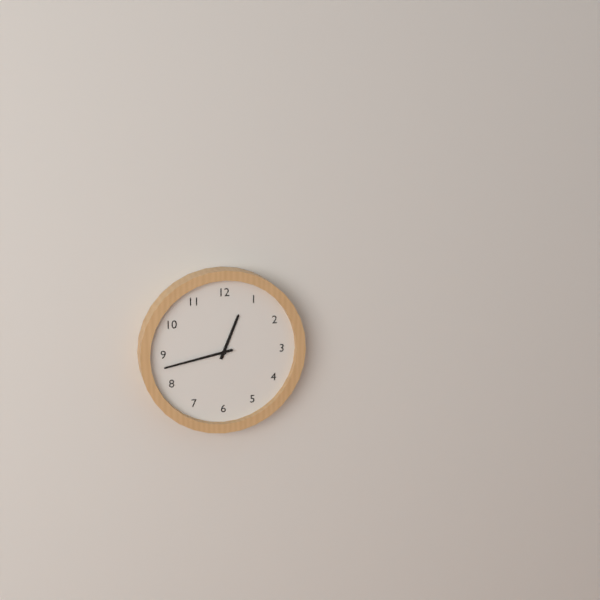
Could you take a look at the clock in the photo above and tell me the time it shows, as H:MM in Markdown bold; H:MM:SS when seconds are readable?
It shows **12:43**
